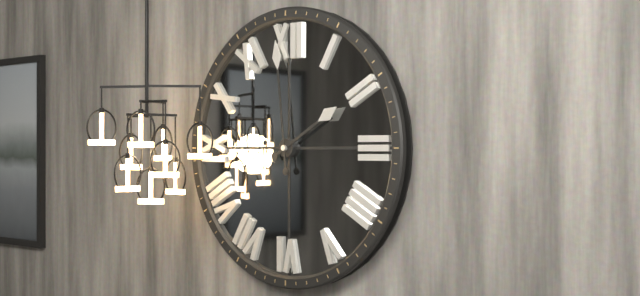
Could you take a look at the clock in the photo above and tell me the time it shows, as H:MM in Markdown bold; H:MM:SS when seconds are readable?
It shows **1:59**
